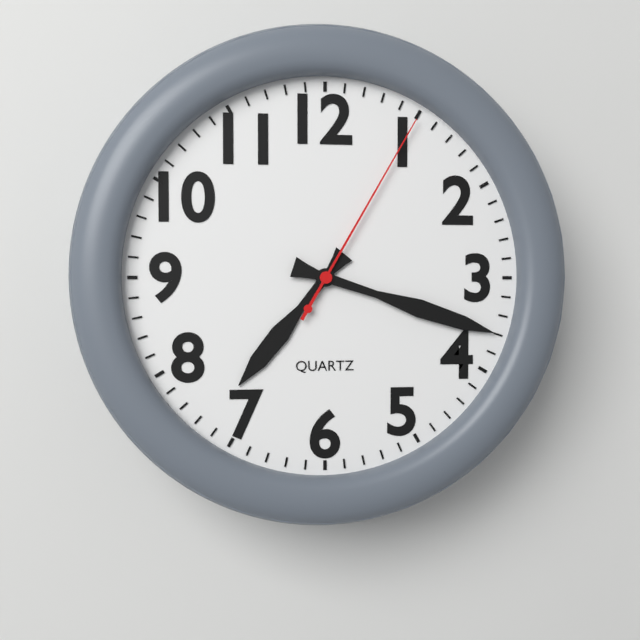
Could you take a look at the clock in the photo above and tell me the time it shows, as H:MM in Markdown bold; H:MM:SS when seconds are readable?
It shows **7:18:05**
